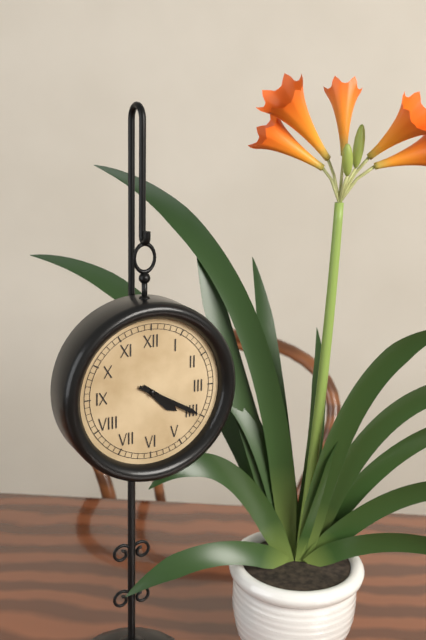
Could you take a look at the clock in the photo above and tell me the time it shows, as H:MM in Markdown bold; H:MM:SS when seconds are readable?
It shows **4:20**
